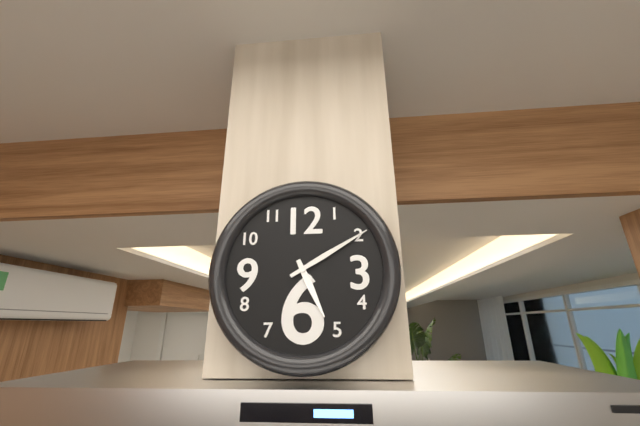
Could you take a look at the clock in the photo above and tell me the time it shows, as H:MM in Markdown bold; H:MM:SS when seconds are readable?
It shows **5:10**
